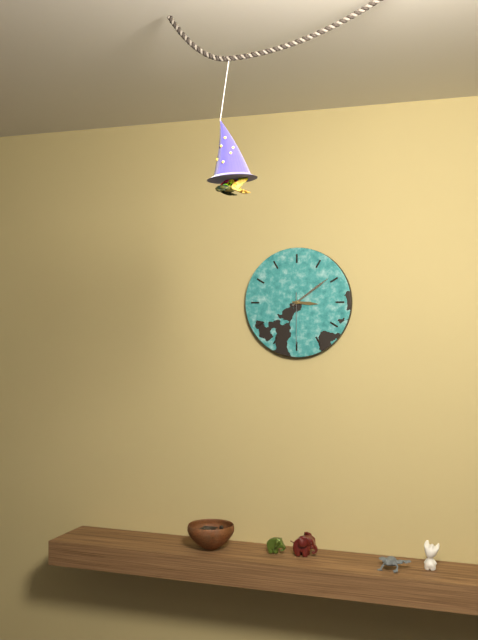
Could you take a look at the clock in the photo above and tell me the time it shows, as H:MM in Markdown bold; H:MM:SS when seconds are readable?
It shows **3:09:30**
